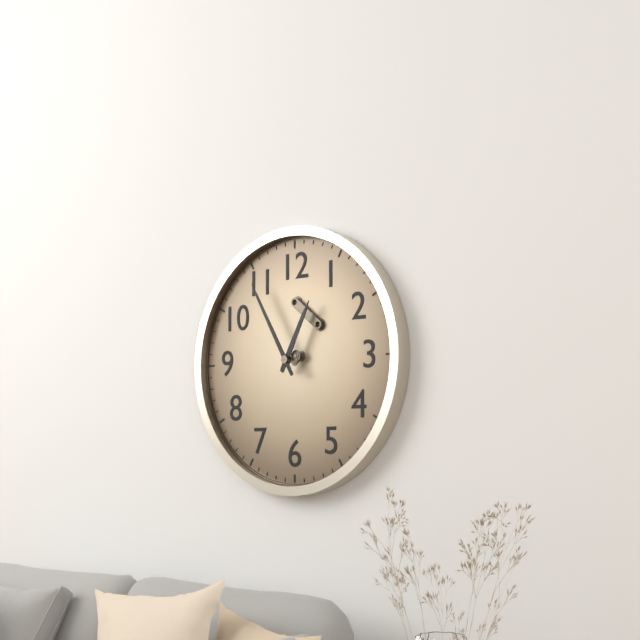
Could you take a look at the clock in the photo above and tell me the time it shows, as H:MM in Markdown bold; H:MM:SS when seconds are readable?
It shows **12:55**
